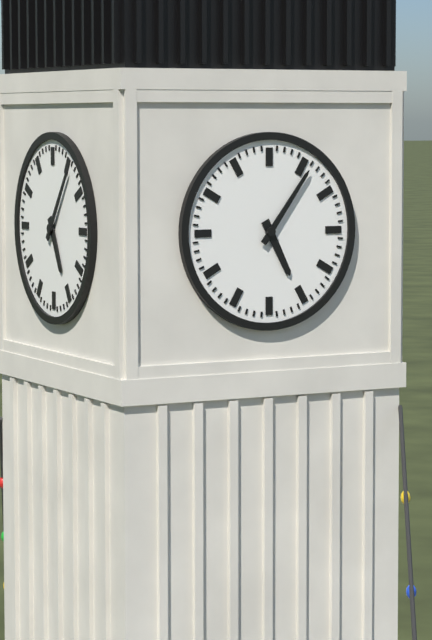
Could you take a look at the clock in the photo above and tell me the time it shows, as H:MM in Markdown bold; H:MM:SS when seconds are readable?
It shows **5:06**
